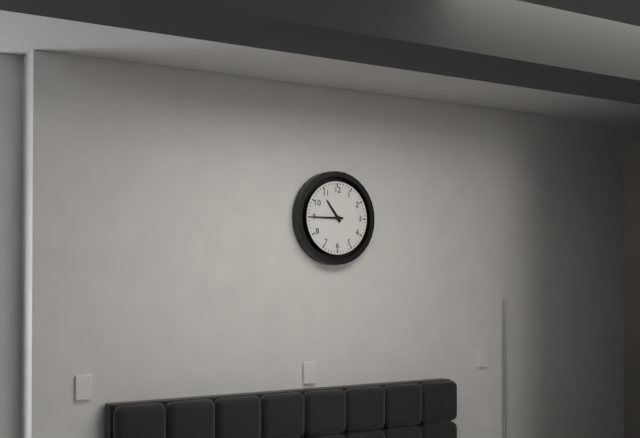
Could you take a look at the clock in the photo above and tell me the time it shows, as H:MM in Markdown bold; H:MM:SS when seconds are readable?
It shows **10:45**
